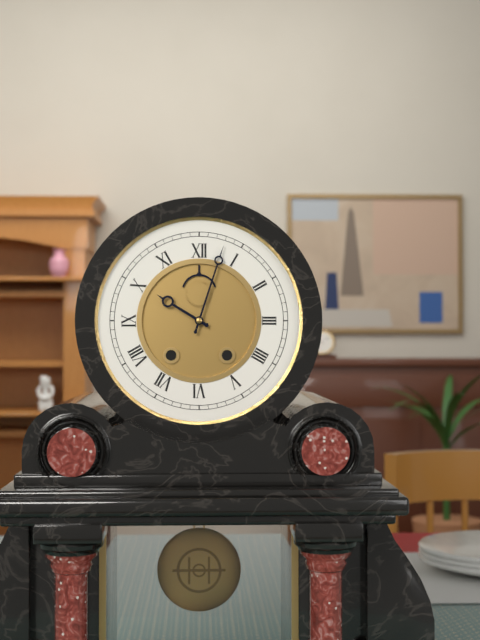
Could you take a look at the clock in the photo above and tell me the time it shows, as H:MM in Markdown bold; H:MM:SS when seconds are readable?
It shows **10:03**
